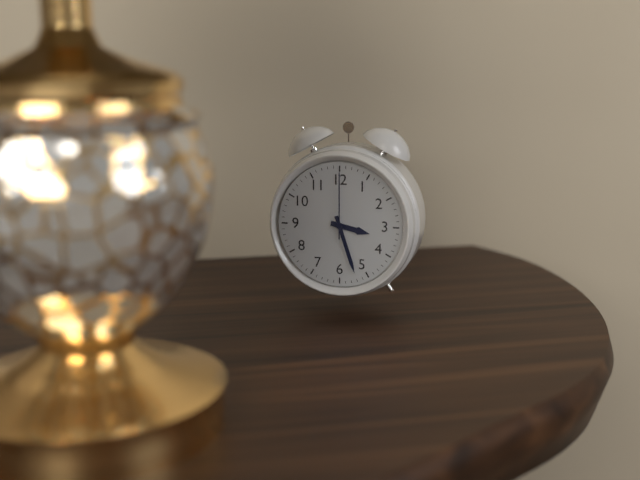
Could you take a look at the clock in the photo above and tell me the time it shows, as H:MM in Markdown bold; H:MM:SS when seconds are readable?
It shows **3:27:00**
